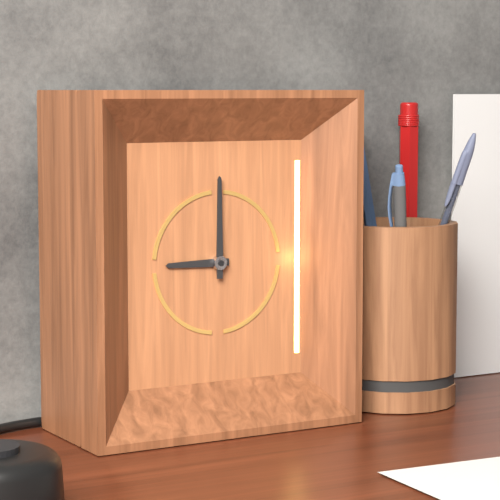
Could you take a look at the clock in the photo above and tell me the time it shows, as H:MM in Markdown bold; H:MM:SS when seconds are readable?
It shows **9:00**
